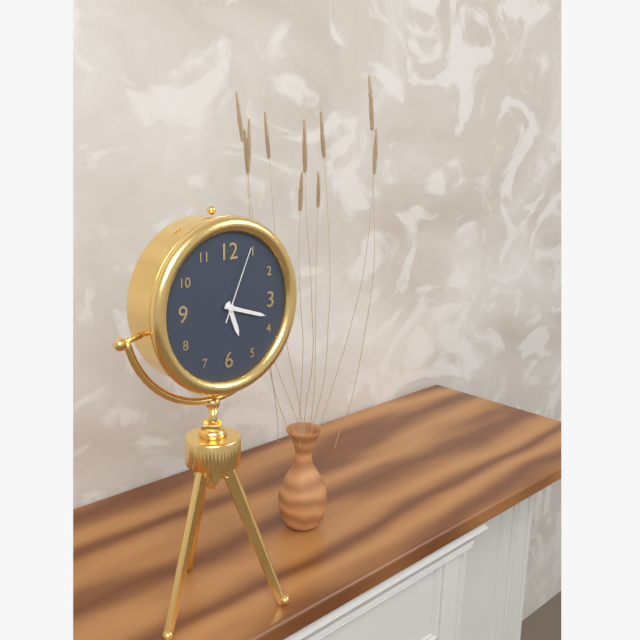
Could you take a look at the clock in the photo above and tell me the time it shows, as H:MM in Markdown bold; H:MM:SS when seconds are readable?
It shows **5:18:04**
